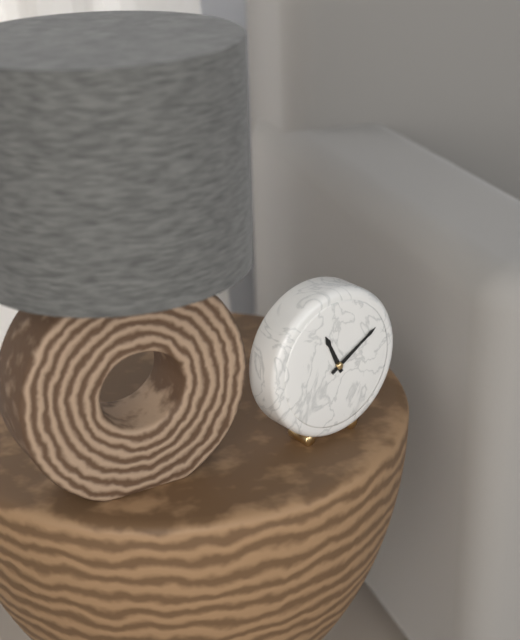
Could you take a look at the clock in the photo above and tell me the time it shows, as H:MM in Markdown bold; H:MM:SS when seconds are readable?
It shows **11:10**
